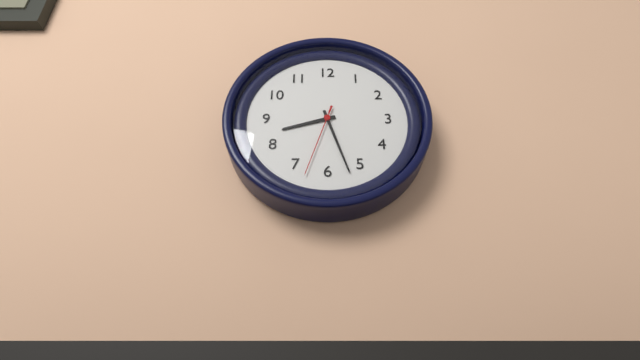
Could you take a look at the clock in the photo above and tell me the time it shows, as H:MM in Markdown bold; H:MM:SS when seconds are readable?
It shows **8:27:33**
